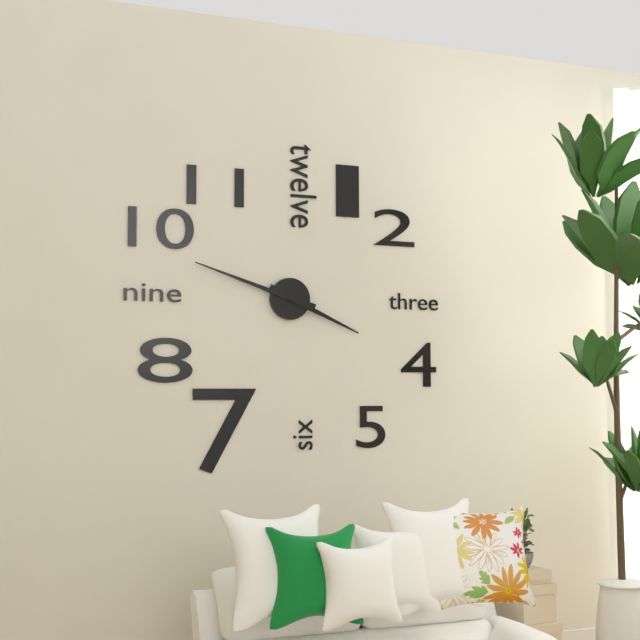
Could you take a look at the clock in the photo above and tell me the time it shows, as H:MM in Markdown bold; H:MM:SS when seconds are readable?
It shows **3:48**
